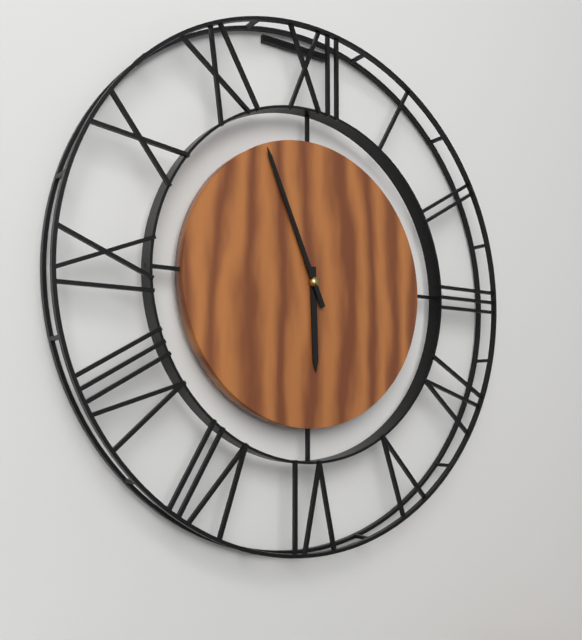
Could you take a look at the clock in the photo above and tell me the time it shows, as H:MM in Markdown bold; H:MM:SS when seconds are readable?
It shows **5:56**
